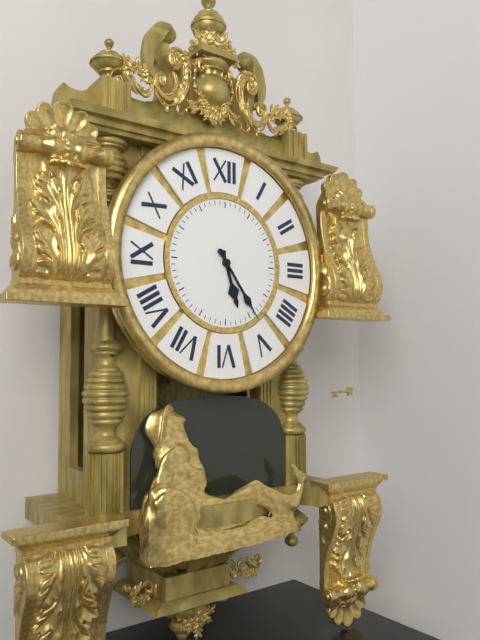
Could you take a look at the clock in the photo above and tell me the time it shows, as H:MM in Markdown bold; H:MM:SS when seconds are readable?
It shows **5:24**
